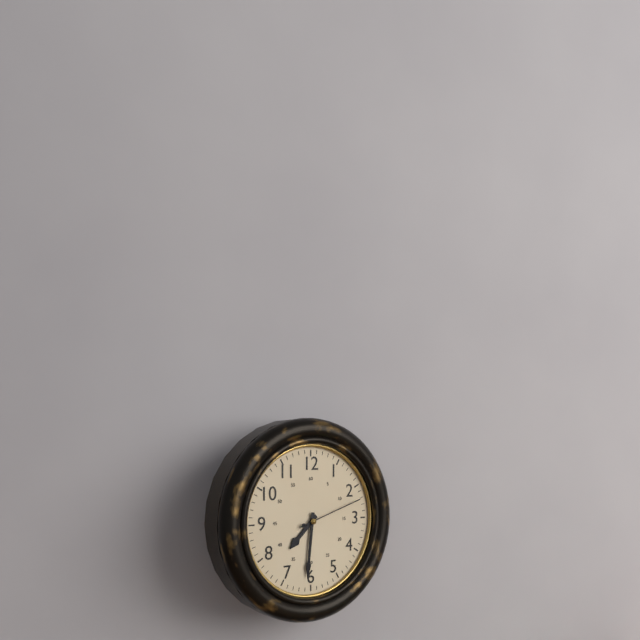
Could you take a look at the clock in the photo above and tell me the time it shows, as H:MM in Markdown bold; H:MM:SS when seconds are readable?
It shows **7:31:12**
